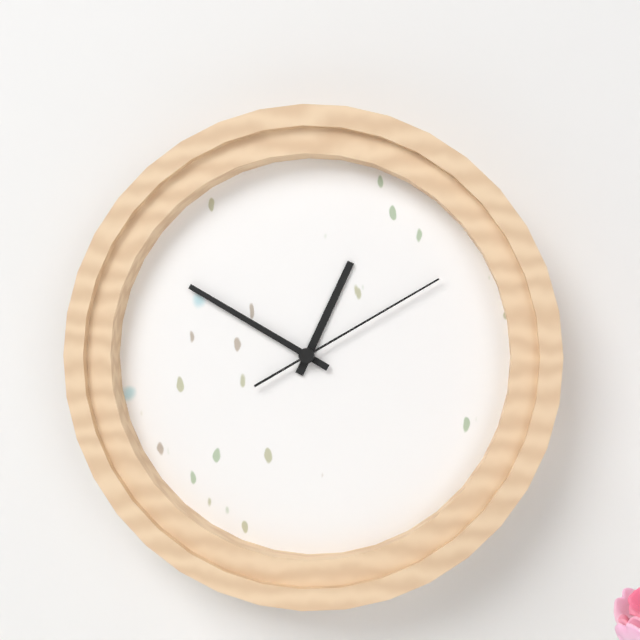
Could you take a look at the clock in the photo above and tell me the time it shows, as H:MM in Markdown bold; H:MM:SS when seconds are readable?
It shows **12:50:10**
